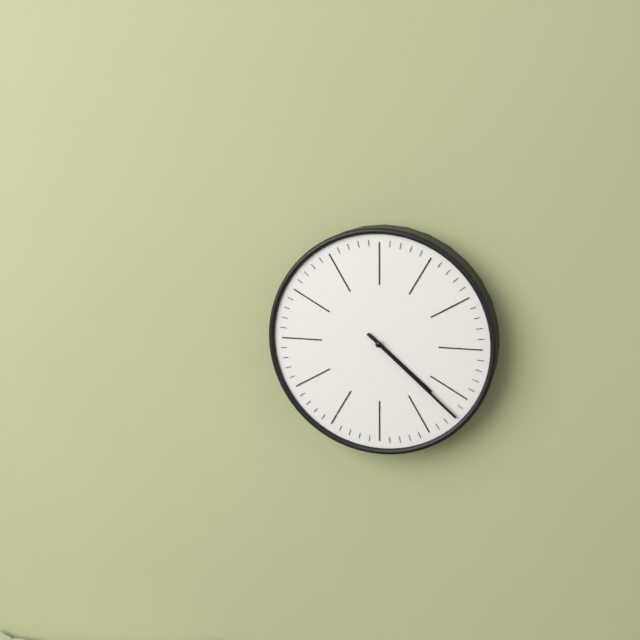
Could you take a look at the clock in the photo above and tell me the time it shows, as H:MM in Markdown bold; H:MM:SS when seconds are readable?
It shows **4:22**
